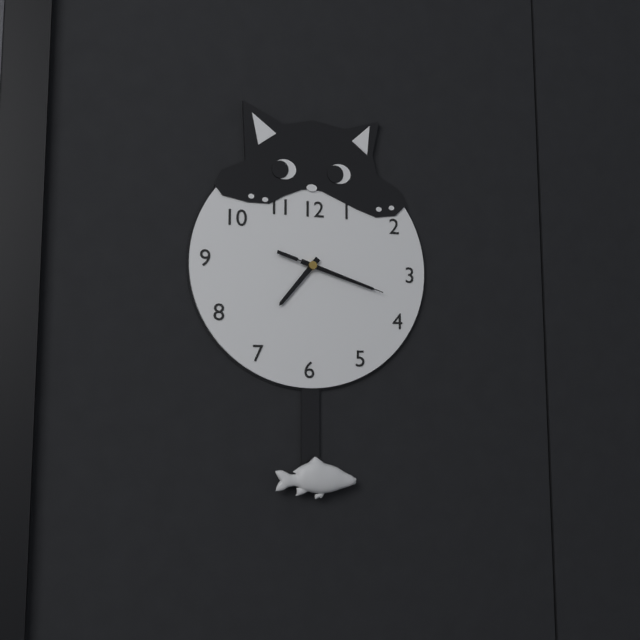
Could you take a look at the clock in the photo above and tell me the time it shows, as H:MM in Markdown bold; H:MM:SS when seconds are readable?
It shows **7:18:18**
